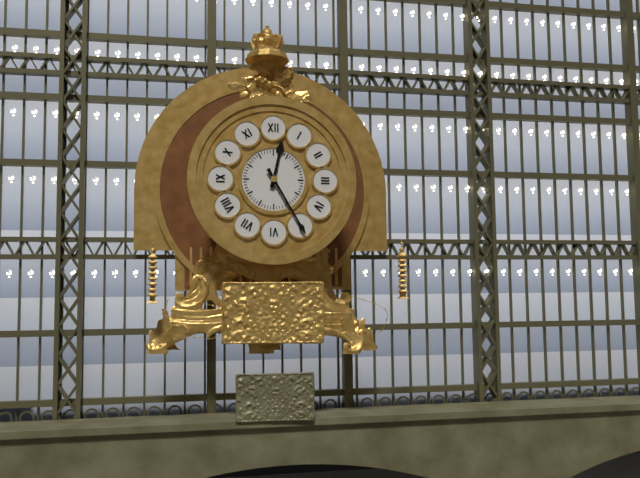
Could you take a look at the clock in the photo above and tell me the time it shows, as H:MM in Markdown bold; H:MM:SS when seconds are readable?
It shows **12:25**
